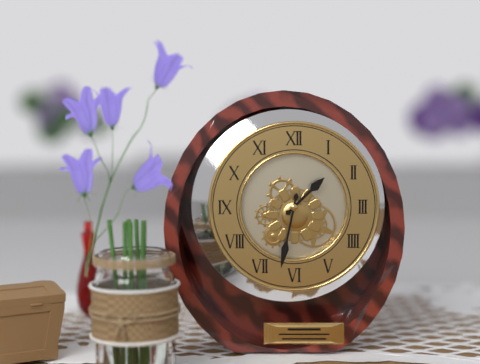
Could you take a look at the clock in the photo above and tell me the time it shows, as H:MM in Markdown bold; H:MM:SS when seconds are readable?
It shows **1:32**
